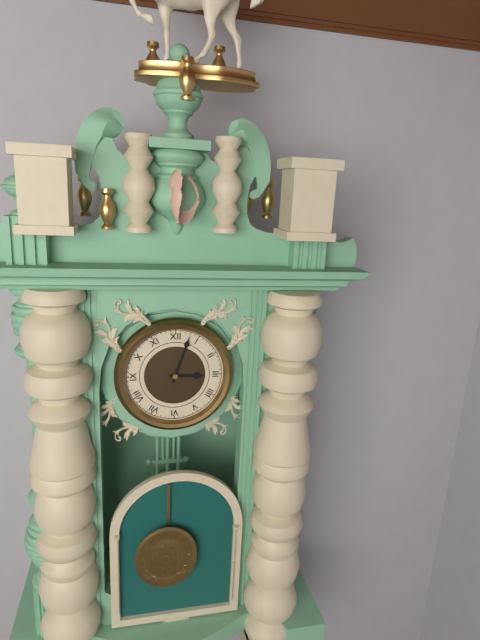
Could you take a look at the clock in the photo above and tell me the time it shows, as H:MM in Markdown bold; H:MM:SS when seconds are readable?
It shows **3:03**
